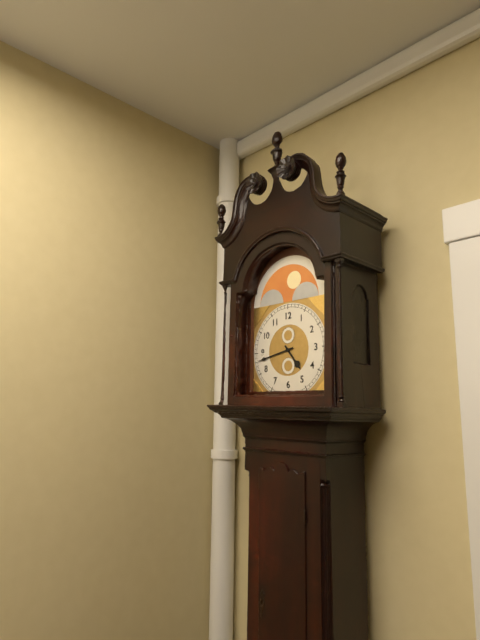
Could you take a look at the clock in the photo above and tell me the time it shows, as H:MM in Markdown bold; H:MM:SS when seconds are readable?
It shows **4:43**
